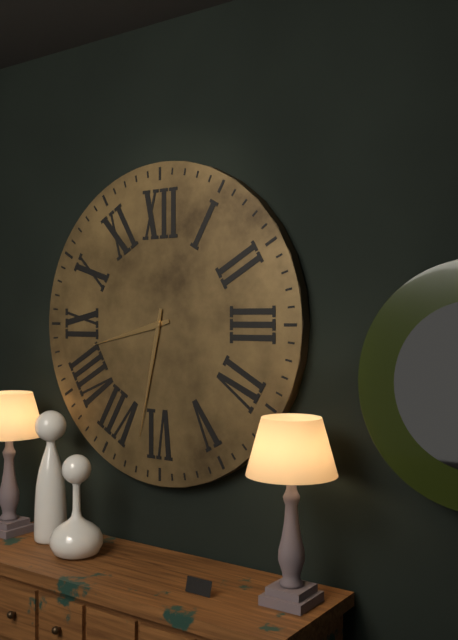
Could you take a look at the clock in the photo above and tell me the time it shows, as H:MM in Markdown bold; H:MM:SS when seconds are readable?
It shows **8:32**
